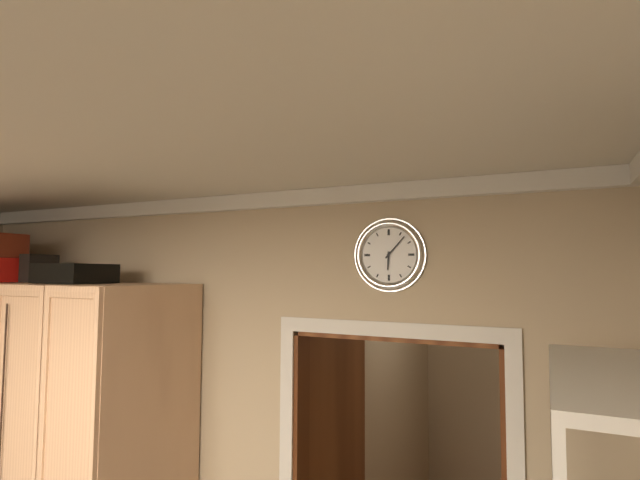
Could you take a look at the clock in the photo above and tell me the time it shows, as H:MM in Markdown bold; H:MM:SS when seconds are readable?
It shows **6:07**
